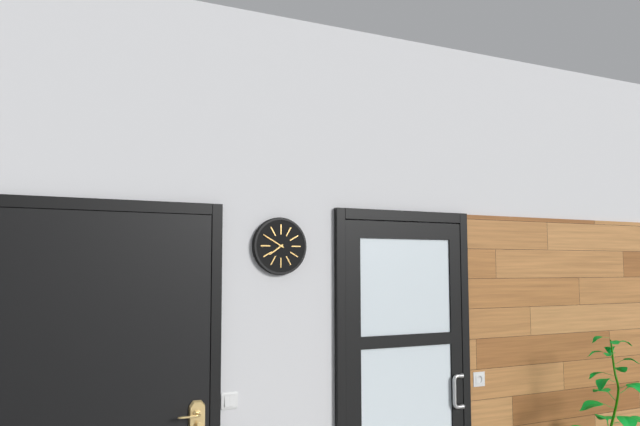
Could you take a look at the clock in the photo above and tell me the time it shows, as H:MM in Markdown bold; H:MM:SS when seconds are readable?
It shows **7:50**
